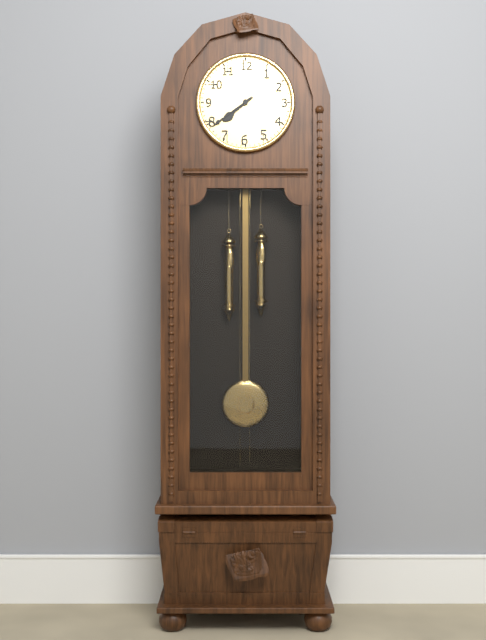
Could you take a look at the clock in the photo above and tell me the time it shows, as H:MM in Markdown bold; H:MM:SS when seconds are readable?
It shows **7:39**
